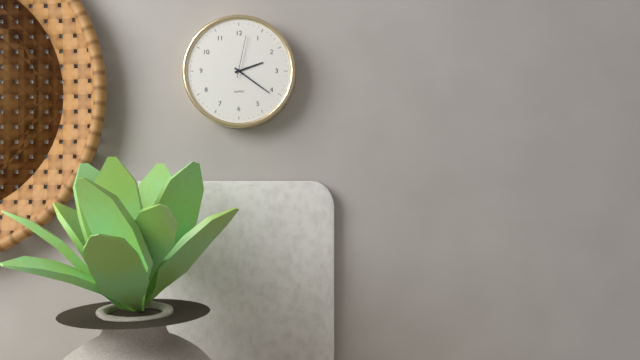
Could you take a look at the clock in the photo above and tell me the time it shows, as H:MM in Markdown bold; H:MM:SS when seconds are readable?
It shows **2:21**
